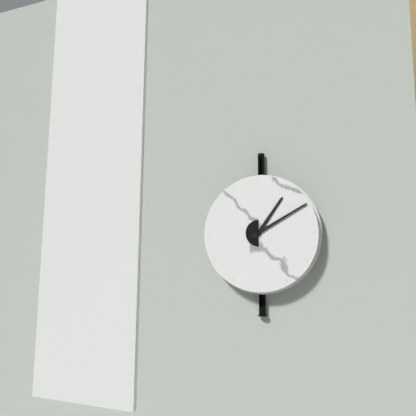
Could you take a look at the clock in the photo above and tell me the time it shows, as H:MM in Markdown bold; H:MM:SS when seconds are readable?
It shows **1:10**
